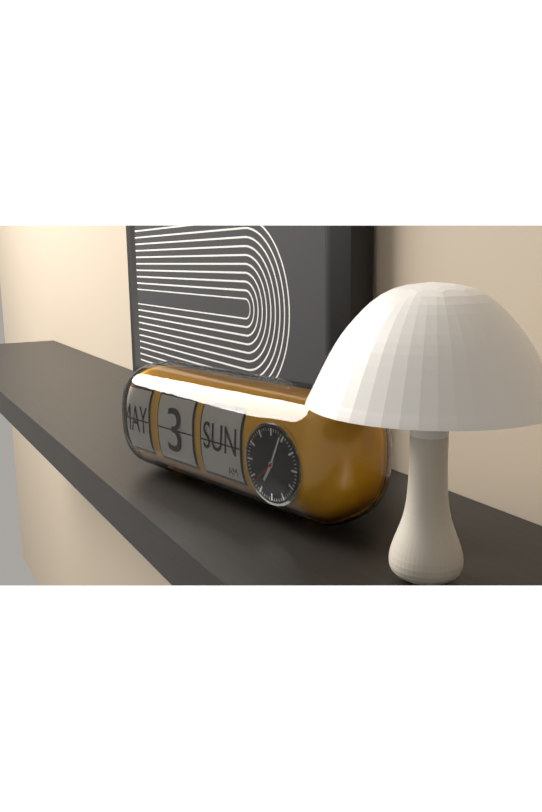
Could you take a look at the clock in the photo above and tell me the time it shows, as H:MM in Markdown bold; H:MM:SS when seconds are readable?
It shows **7:04:38**
